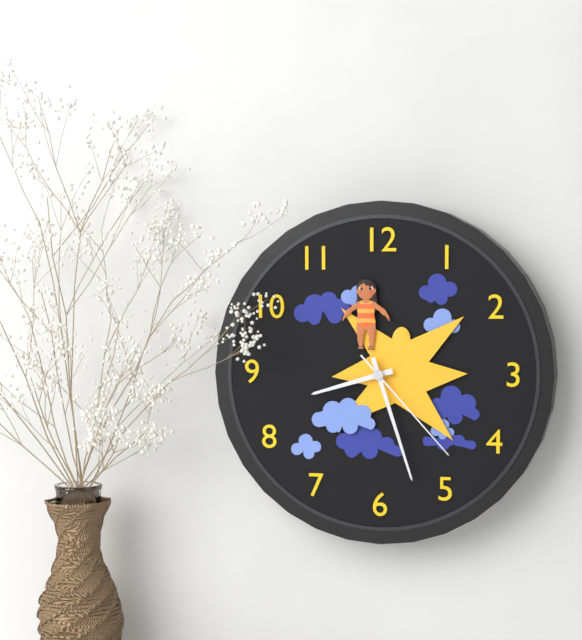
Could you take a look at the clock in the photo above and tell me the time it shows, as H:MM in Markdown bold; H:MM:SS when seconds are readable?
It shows **8:27:23**
